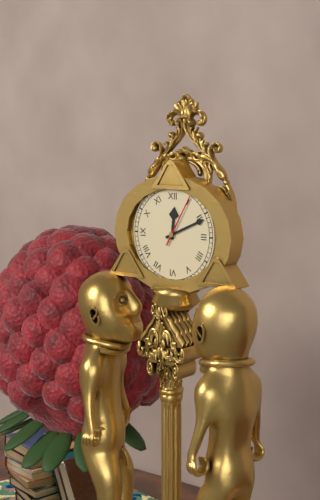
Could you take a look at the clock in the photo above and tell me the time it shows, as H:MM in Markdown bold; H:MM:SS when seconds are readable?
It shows **12:11:05**
